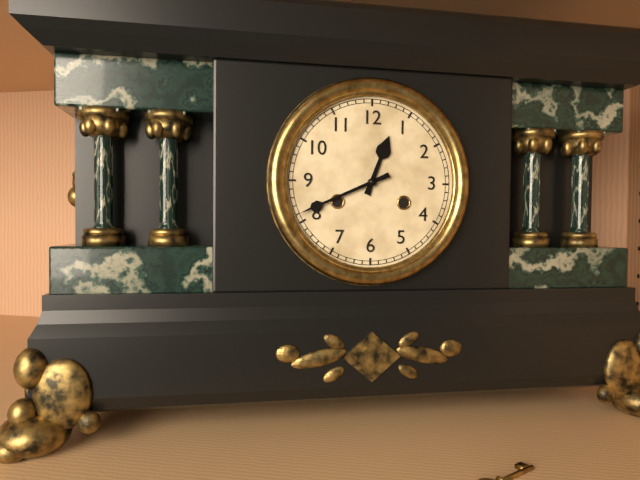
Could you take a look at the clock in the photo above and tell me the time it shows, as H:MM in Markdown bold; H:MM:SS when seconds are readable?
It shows **12:41**
